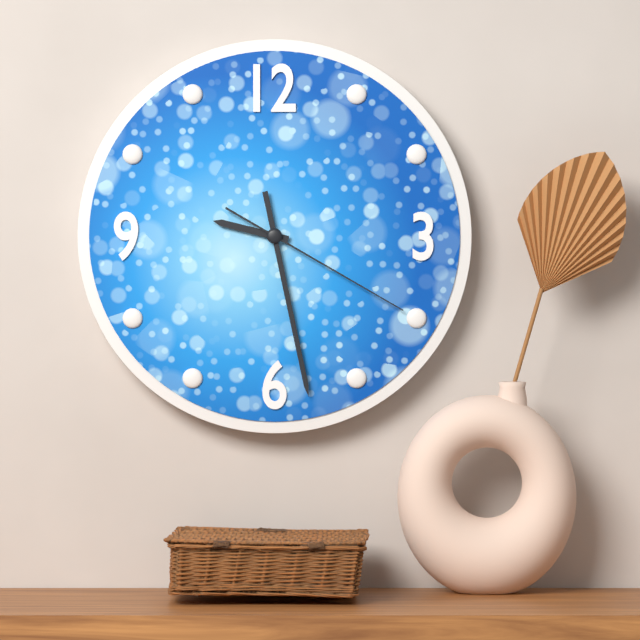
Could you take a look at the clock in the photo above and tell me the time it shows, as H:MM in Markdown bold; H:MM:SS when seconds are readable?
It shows **9:28:20**
